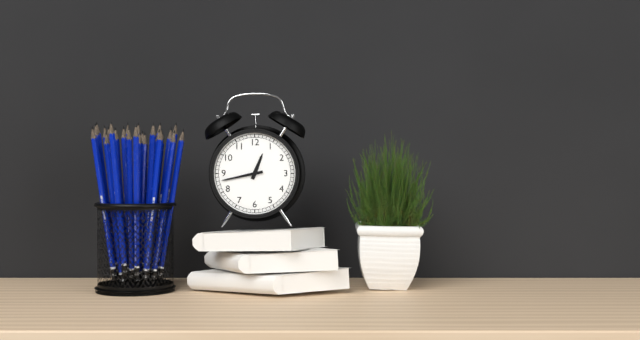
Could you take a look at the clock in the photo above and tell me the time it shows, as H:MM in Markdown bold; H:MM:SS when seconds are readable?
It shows **12:43**
